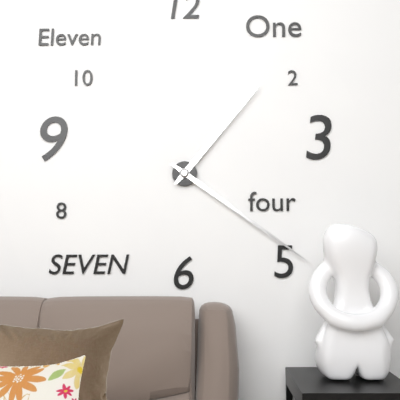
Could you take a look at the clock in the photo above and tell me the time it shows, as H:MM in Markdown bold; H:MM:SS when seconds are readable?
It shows **1:21**
